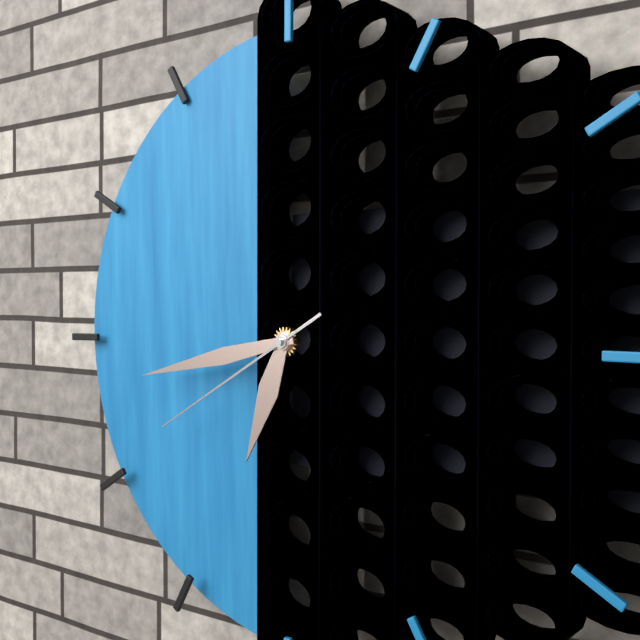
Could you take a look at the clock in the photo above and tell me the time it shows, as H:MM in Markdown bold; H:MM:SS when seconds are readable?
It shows **6:43:40**
